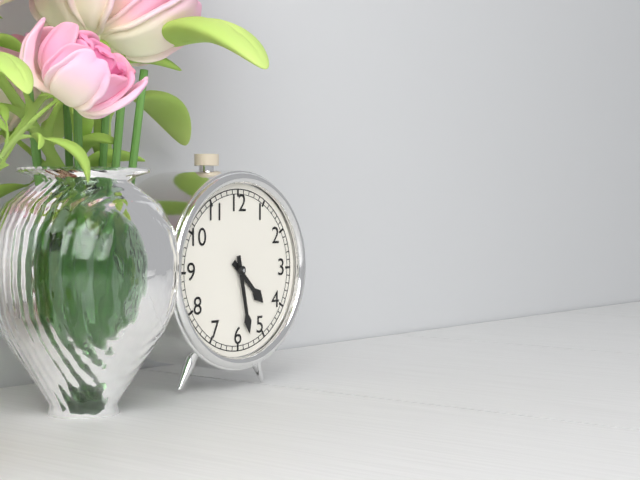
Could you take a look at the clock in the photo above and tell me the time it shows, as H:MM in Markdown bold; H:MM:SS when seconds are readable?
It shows **4:28**
